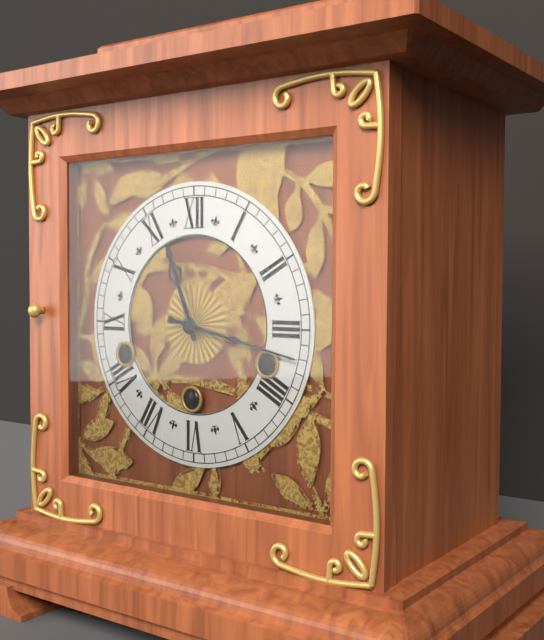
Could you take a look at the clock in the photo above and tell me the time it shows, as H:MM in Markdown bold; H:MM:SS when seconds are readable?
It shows **11:17**
